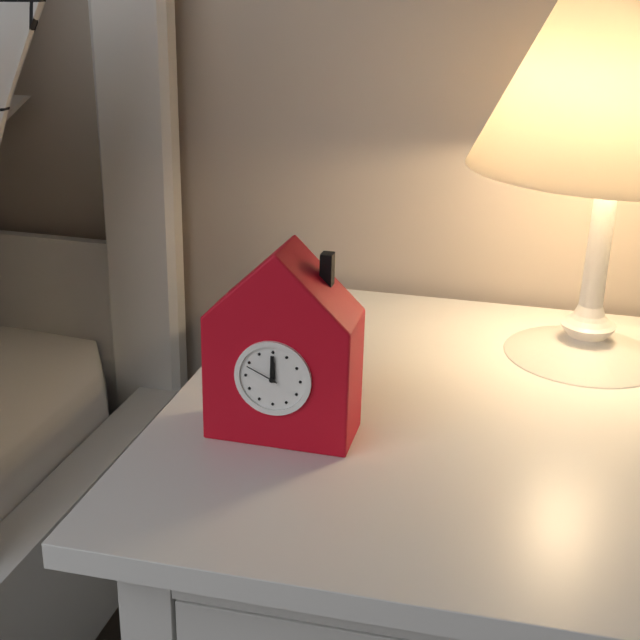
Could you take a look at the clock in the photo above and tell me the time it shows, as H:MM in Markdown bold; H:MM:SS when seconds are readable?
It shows **12:00**
